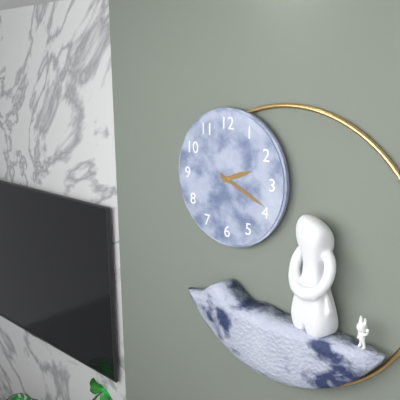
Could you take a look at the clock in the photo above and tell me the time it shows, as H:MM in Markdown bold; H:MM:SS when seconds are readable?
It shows **2:19**
